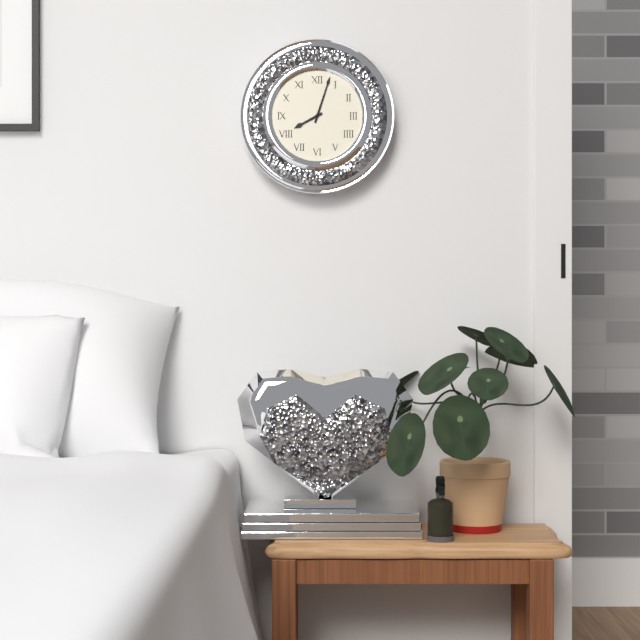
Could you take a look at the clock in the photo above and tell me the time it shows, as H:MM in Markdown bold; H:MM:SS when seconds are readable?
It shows **8:03**
